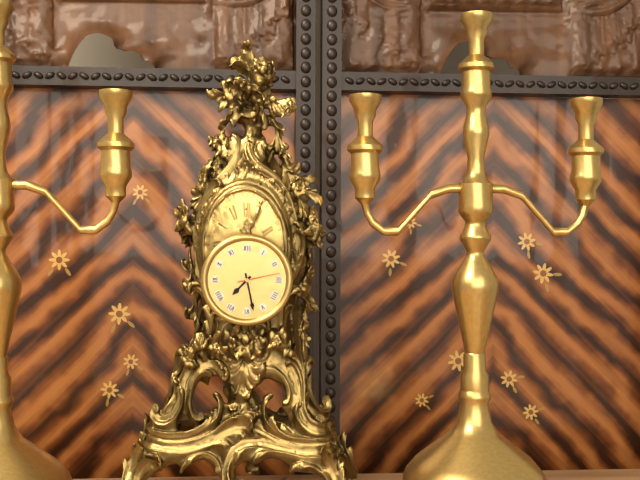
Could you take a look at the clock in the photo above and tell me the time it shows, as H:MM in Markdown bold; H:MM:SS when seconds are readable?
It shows **7:28**
